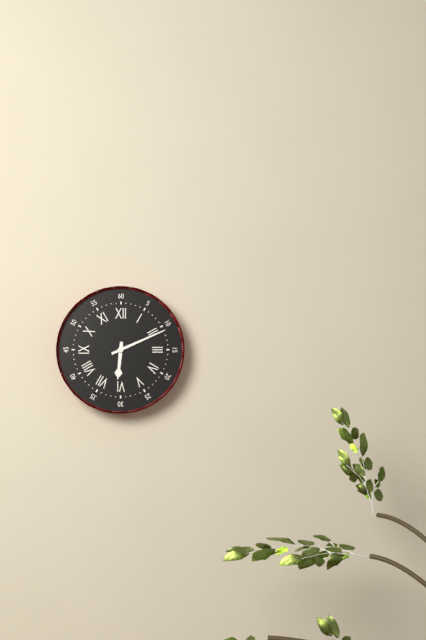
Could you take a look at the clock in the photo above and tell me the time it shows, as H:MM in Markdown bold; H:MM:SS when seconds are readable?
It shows **6:11**
